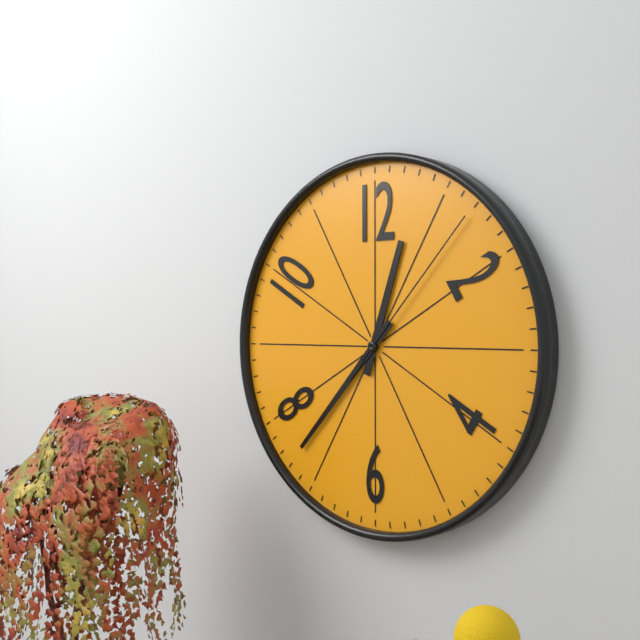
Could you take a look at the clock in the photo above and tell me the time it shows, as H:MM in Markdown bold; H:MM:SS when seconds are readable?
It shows **12:37:07**
